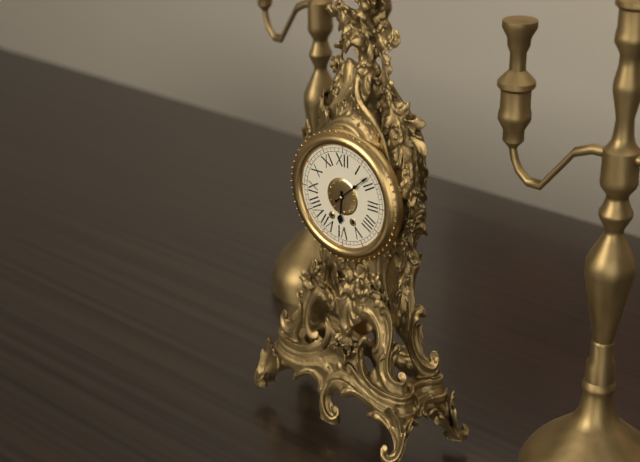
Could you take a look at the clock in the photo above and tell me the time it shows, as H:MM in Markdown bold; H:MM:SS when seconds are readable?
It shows **6:08**
